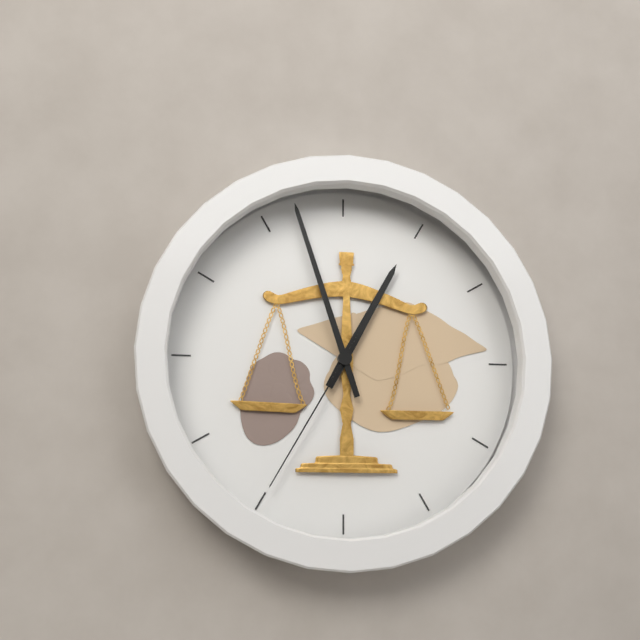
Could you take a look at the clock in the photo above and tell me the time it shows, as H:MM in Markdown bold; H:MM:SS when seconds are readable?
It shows **12:57:35**
